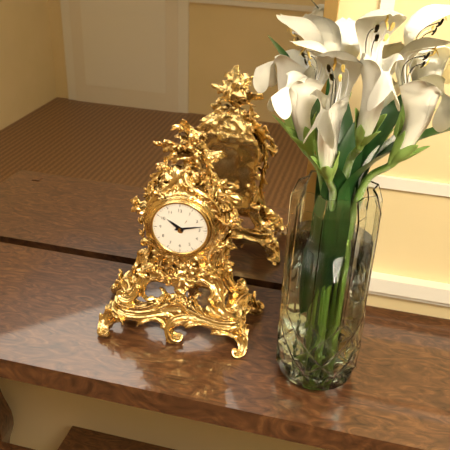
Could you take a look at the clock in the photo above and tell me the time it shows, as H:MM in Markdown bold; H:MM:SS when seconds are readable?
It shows **10:13**
